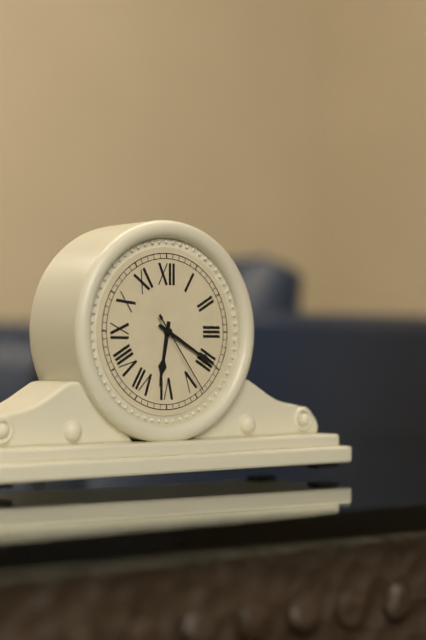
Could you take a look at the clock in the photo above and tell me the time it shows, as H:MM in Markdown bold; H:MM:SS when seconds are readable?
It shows **6:20:24**
